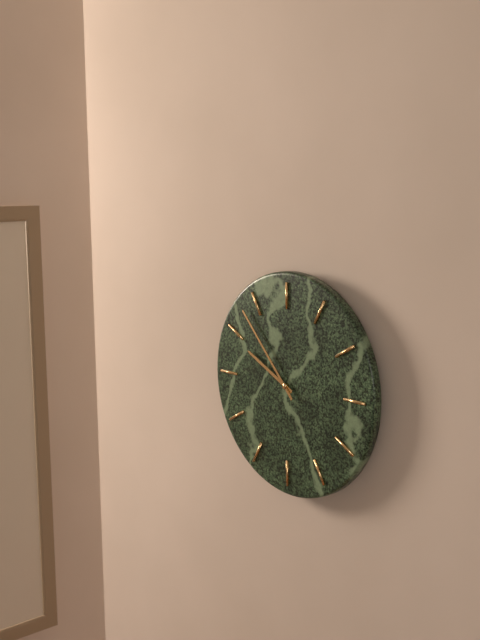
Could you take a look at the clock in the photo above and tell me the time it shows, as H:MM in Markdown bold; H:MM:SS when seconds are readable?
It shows **9:53**
